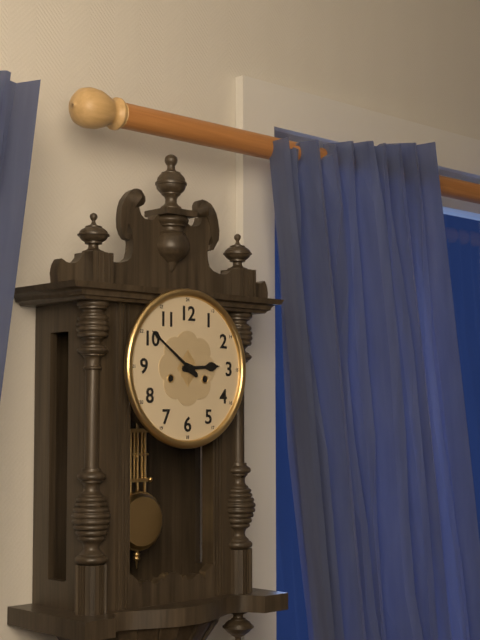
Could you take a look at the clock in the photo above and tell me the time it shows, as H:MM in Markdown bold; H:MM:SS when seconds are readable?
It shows **2:51**
